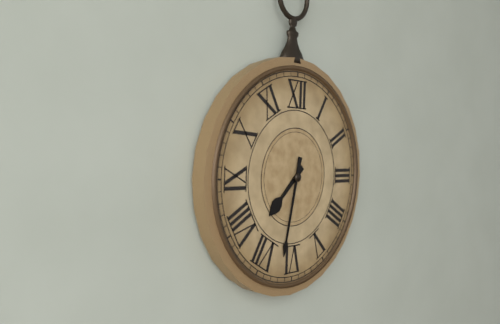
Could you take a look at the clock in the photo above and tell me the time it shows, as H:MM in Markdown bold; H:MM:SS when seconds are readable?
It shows **7:32**
